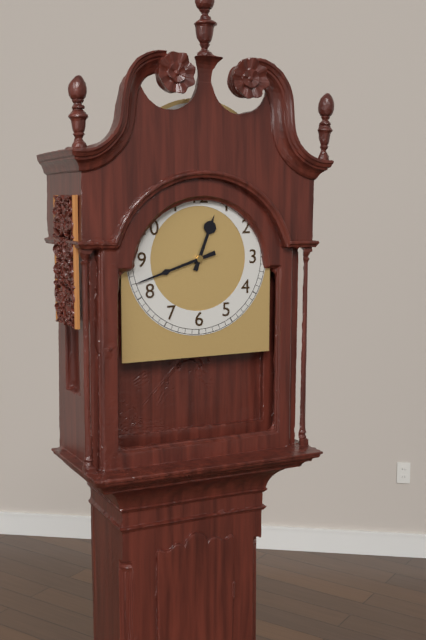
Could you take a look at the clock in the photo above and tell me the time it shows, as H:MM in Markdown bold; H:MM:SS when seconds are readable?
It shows **12:42**
